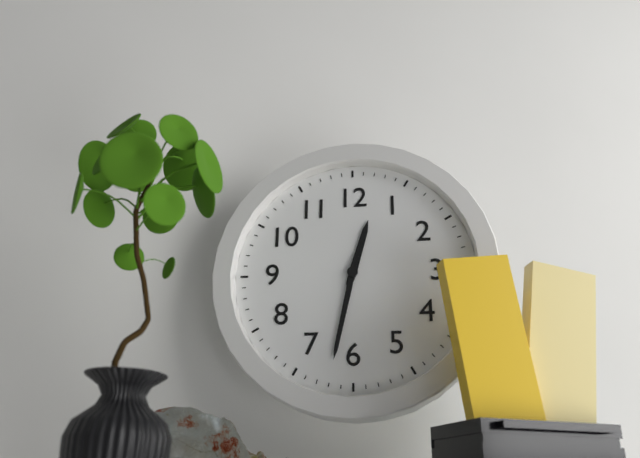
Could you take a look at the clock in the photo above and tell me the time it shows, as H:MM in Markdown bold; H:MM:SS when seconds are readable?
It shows **12:32**
